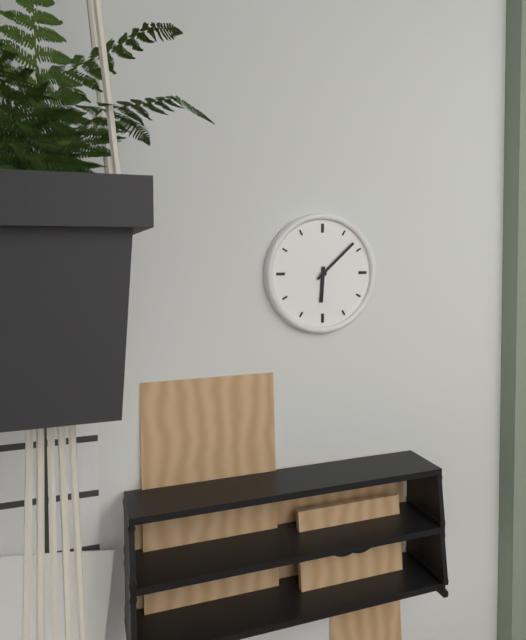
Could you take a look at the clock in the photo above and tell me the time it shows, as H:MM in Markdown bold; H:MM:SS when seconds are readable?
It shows **6:08**
